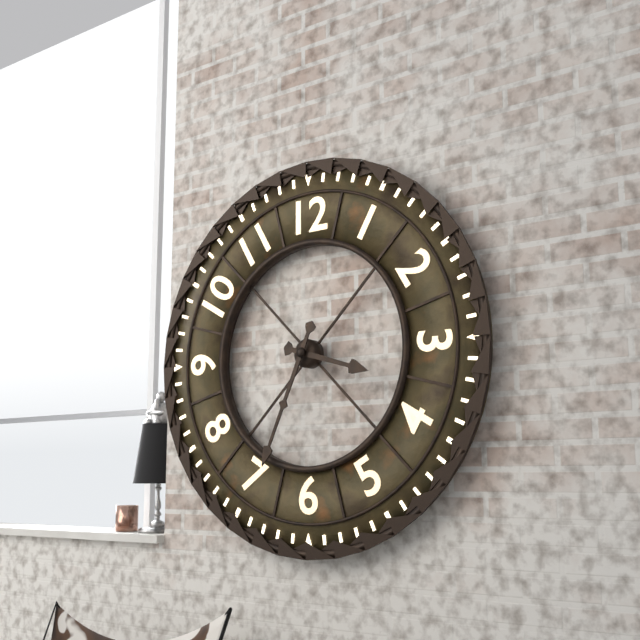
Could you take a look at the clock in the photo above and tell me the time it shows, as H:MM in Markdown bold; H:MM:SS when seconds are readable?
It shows **3:34**
